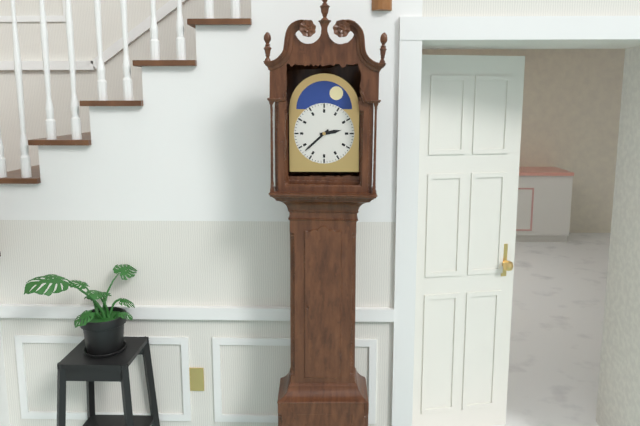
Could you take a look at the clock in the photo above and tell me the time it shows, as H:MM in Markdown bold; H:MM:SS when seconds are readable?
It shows **2:38**
